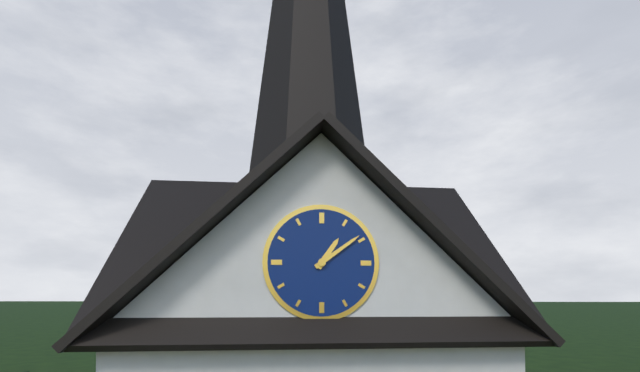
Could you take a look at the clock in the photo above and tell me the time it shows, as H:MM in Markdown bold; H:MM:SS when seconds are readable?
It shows **1:09**
